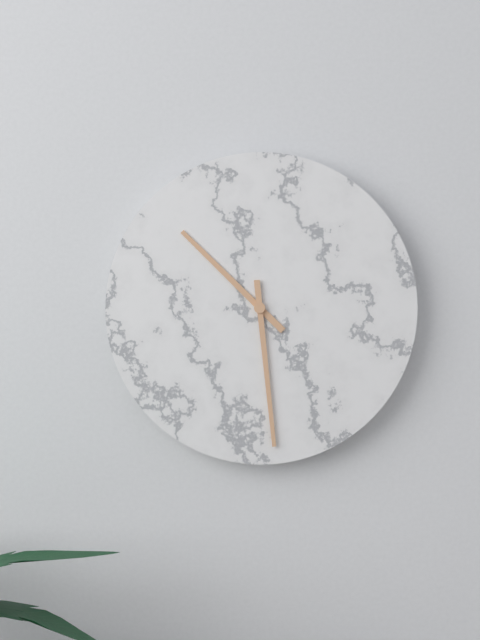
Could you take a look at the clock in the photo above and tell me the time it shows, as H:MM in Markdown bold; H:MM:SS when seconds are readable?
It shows **10:29**
